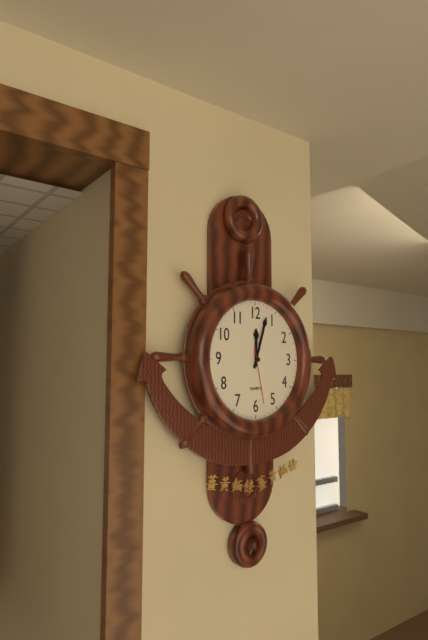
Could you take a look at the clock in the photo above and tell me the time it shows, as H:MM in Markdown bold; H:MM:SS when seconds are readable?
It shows **12:03:28**
